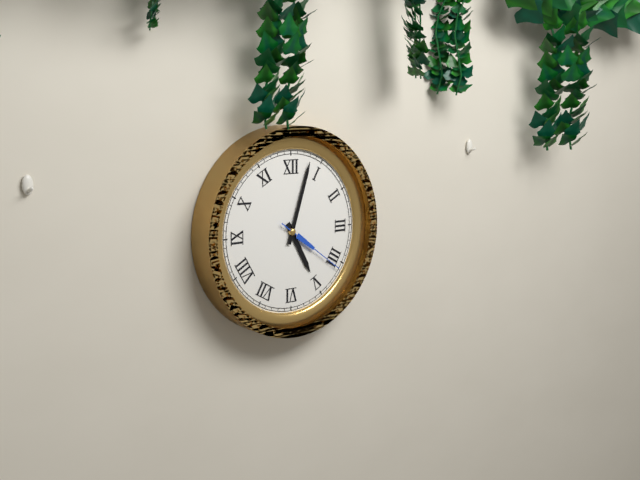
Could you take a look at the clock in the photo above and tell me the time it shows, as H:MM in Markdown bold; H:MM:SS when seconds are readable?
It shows **5:03:21**
